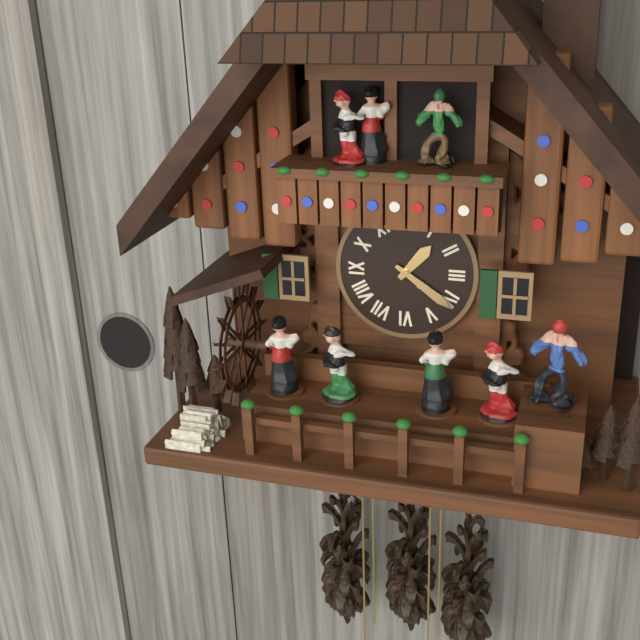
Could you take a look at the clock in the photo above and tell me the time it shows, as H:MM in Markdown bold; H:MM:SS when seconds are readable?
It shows **1:21**
